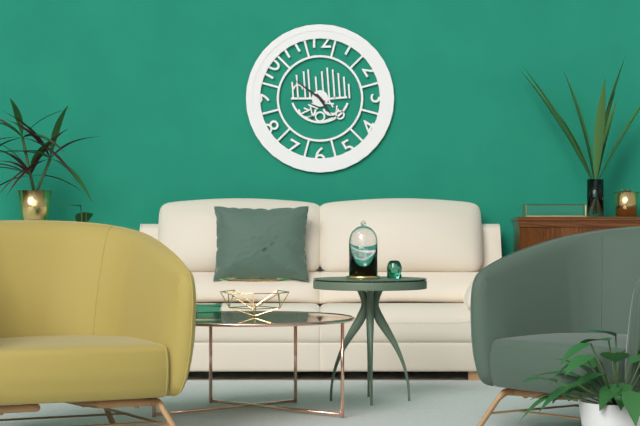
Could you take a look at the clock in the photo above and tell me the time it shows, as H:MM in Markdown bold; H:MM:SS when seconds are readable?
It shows **4:51**
